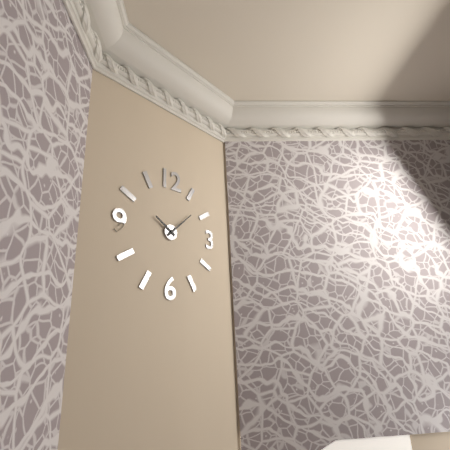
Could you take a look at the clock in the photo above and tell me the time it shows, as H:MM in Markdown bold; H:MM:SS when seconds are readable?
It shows **10:08**
